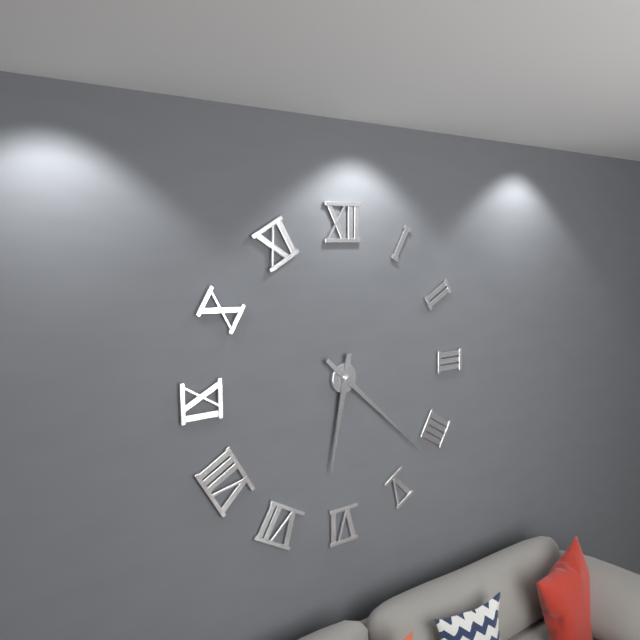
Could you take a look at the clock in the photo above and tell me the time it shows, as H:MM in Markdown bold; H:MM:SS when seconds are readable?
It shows **6:22**
